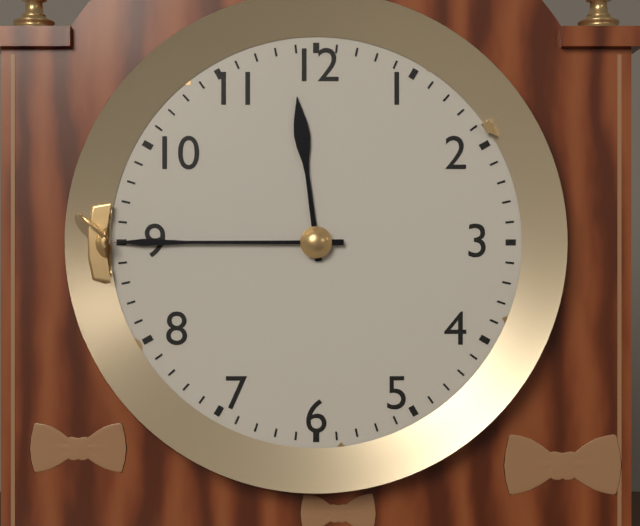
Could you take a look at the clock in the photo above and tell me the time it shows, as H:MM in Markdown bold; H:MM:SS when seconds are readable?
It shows **11:45**
